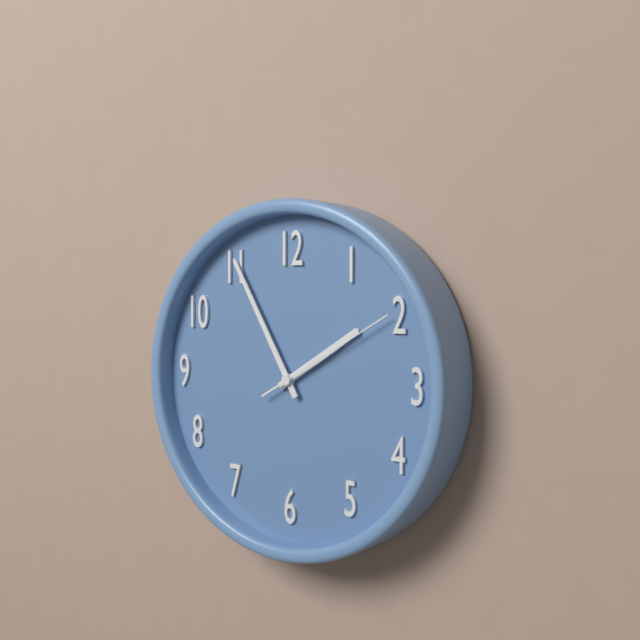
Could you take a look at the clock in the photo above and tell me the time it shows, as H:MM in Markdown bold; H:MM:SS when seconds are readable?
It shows **1:55:10**
